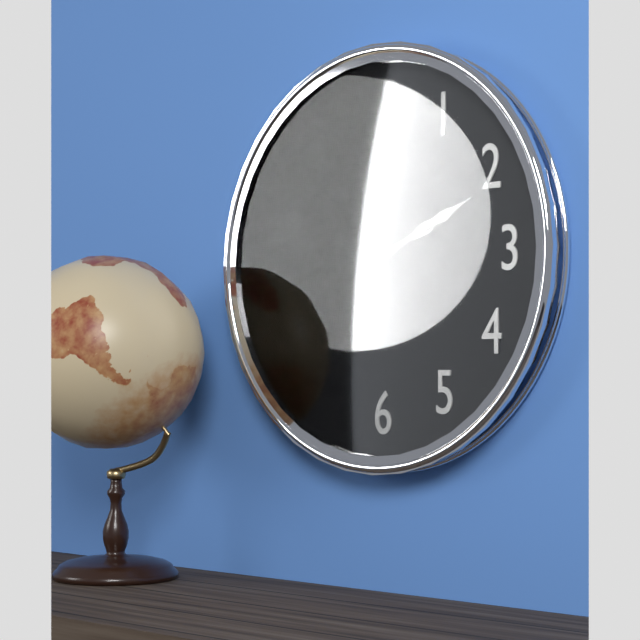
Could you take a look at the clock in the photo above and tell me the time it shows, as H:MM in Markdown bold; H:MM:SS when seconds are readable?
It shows **2:11**
